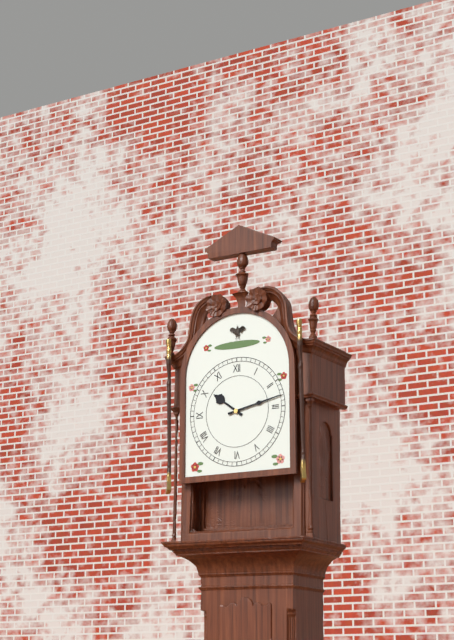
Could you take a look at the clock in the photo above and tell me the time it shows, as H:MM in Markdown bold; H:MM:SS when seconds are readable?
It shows **10:13**
